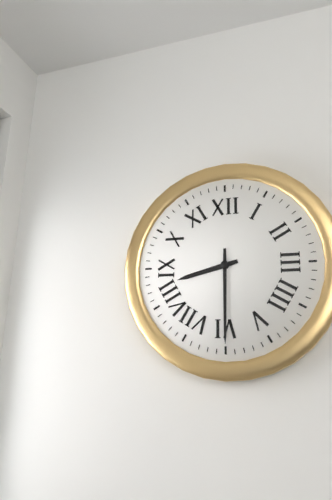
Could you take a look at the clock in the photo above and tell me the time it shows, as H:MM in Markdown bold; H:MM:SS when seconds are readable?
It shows **8:30**
